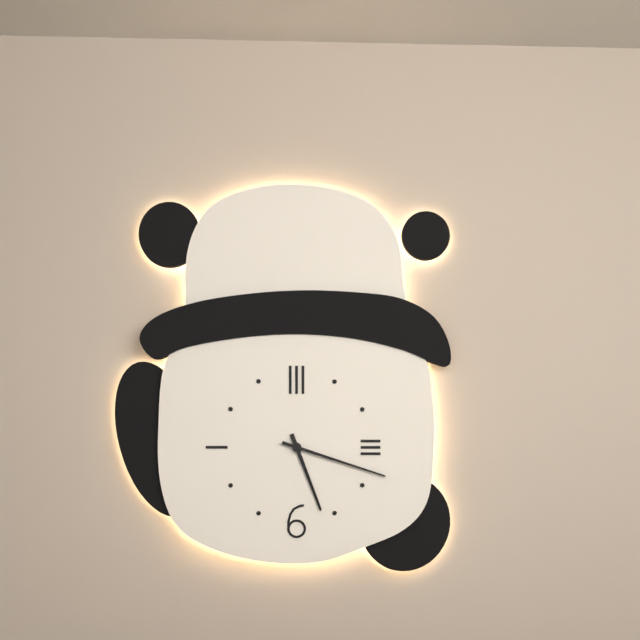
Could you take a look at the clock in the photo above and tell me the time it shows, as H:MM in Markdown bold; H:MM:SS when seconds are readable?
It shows **5:18**
